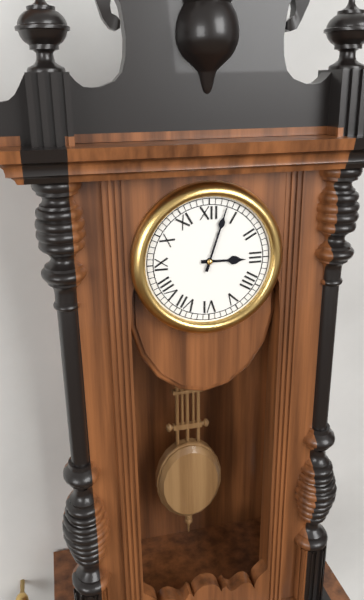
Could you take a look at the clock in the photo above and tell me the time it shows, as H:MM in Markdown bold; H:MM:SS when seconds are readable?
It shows **3:03**
